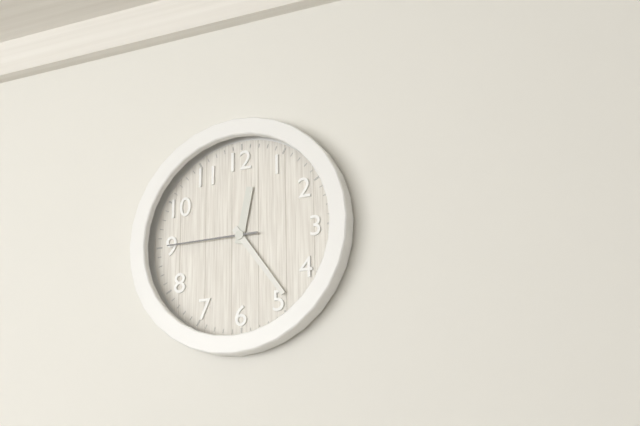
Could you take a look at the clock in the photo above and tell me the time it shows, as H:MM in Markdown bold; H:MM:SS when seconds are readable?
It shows **12:24:45**
